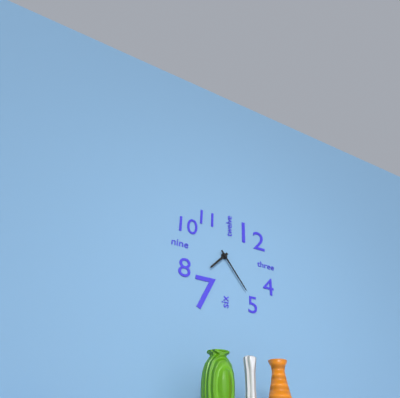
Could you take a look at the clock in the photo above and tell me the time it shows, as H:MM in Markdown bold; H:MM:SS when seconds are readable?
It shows **7:24**
